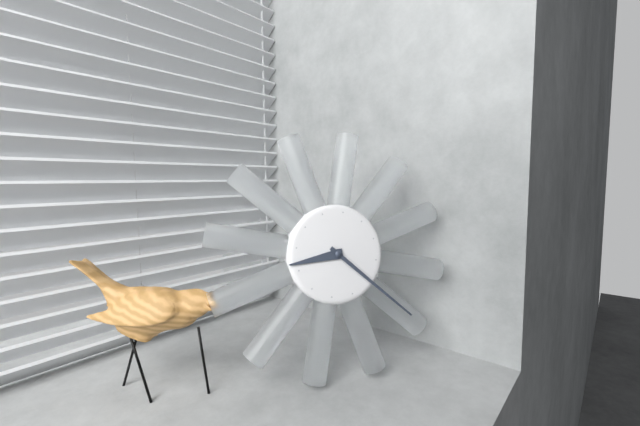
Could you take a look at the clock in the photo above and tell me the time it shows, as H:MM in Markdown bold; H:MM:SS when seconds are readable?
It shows **8:20**
